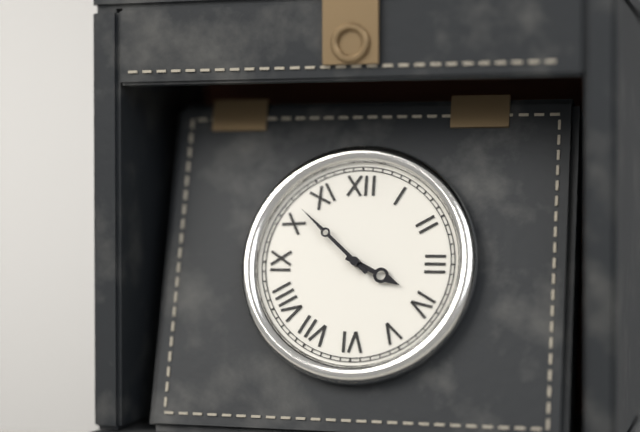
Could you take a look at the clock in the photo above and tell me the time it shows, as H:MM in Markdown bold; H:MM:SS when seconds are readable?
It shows **3:52**
